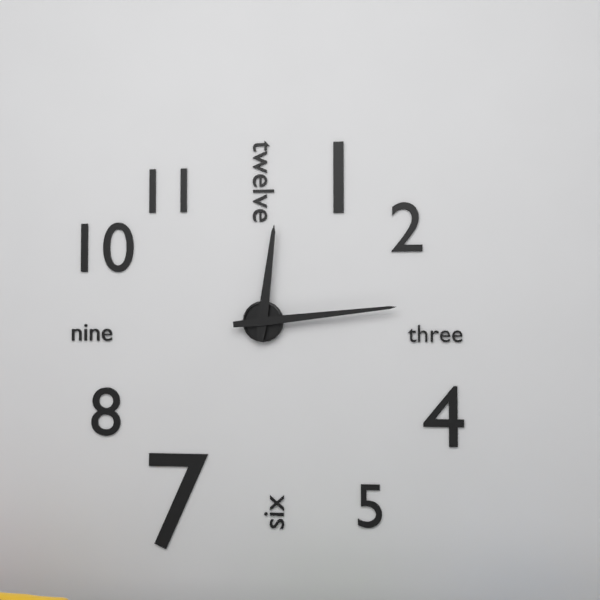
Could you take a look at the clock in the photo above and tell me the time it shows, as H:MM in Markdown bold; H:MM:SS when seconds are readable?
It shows **12:14**
